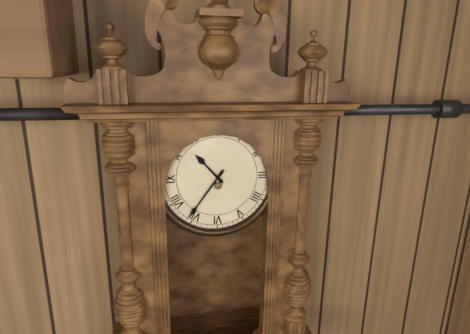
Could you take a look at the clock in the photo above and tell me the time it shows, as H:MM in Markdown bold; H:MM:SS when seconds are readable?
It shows **10:36**
